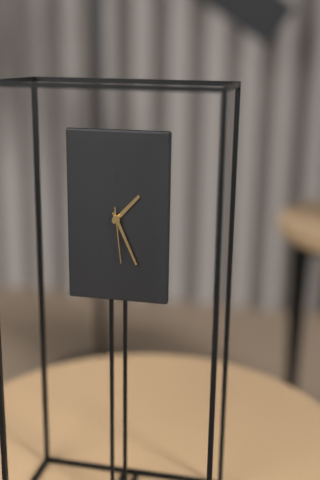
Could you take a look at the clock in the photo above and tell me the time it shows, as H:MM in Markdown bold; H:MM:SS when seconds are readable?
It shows **1:26:29**
